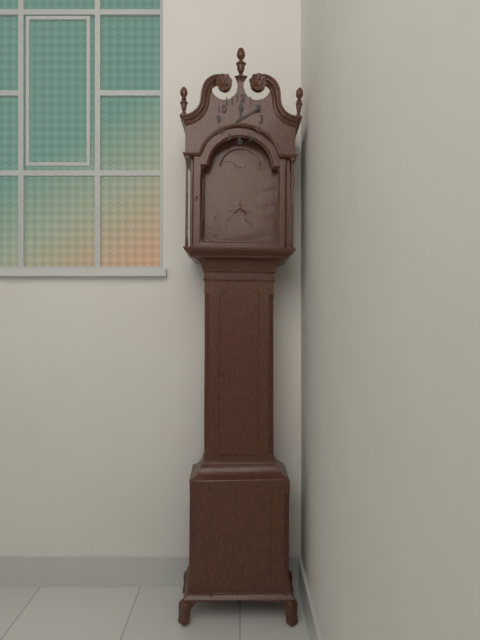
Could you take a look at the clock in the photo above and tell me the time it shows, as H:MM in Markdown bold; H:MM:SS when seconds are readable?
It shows **12:10**
